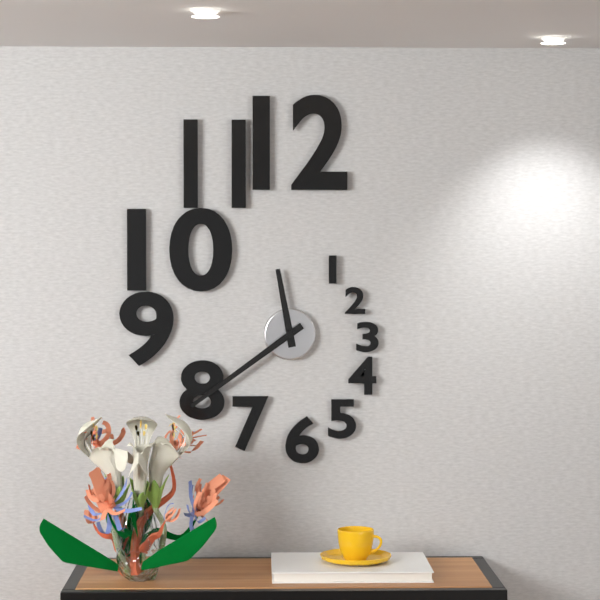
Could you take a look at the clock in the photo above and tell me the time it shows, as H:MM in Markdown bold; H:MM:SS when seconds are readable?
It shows **11:39**
